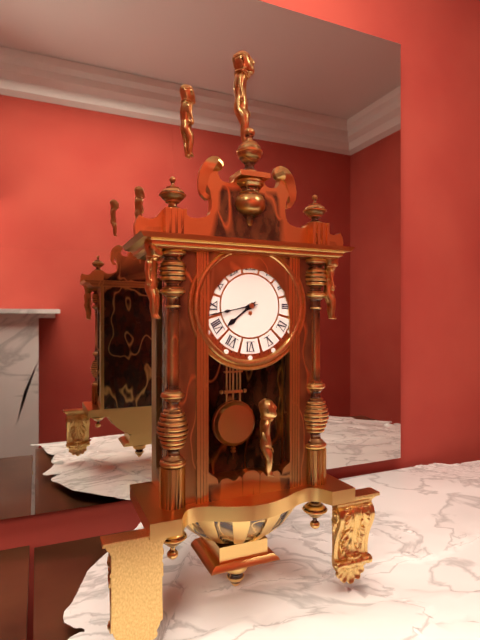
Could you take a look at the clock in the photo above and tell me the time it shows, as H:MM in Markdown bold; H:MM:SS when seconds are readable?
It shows **7:43**
